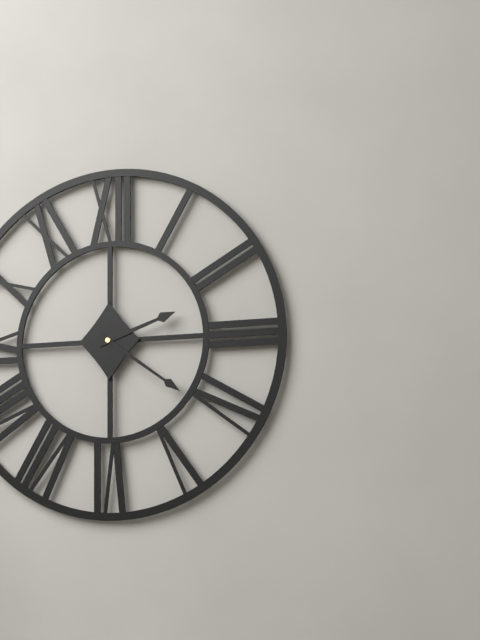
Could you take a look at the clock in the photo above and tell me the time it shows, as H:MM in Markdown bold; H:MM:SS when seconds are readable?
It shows **2:21**
